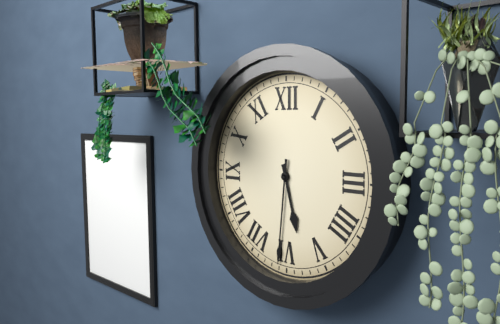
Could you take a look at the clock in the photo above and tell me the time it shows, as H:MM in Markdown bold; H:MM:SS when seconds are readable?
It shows **5:31**
